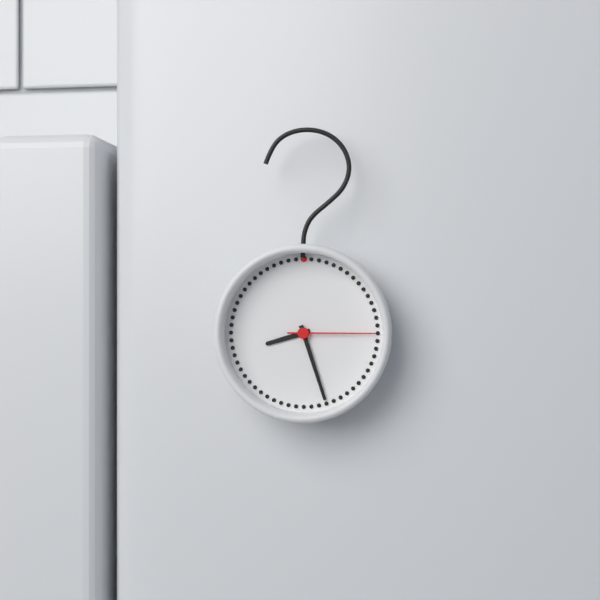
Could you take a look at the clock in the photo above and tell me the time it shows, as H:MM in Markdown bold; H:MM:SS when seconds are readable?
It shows **8:27:15**
